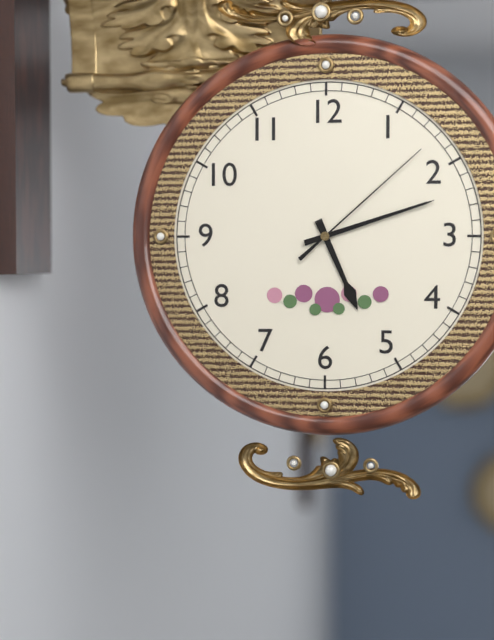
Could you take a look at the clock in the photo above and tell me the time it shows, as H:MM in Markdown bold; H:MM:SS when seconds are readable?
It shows **5:12:08**
